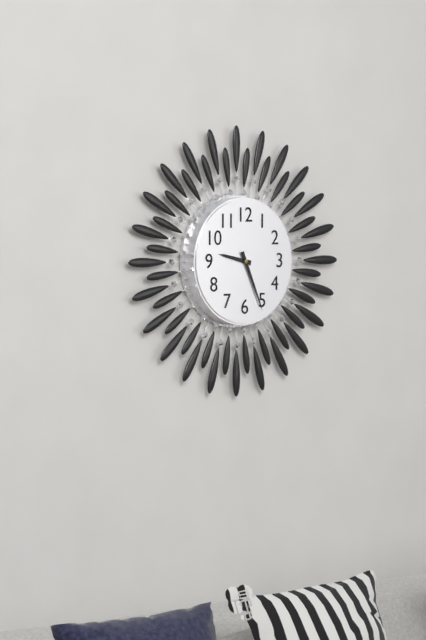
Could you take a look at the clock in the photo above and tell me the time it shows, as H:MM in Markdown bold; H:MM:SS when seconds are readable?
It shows **9:26**
